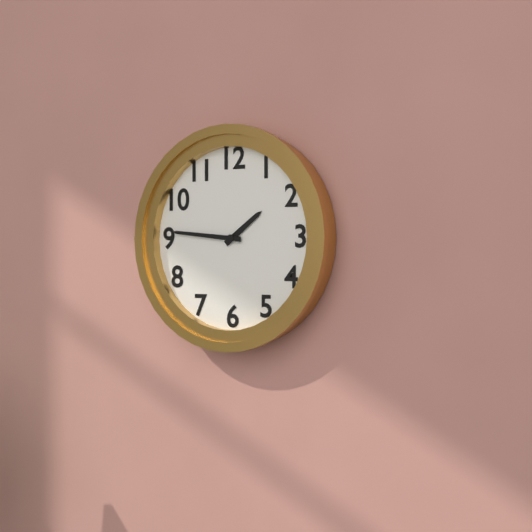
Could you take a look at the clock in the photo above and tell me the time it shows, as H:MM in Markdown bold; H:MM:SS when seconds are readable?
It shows **1:46**
